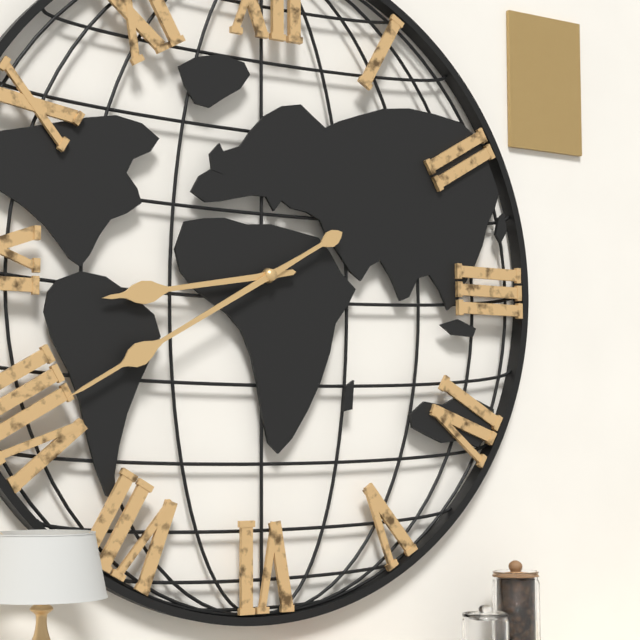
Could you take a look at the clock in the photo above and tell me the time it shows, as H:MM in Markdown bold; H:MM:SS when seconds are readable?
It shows **8:40**
